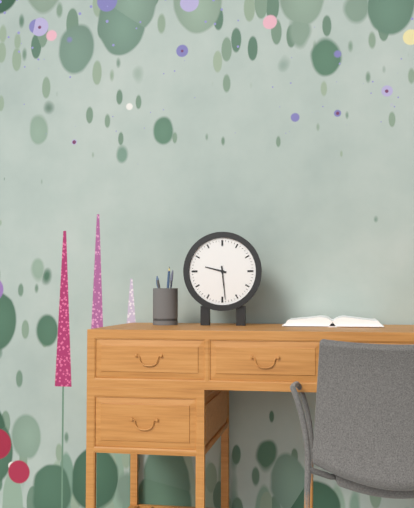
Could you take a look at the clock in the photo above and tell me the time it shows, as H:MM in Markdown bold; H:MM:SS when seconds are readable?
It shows **9:29**
